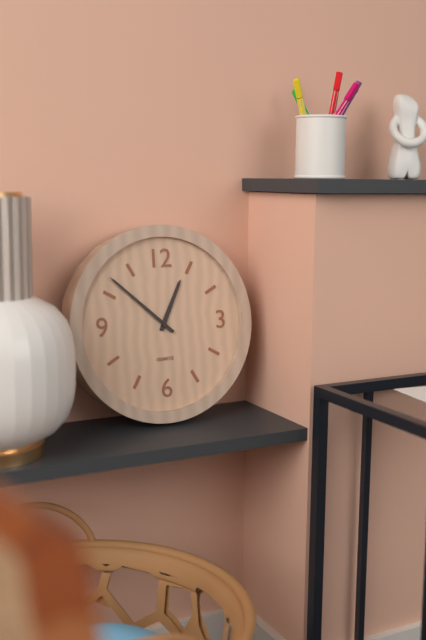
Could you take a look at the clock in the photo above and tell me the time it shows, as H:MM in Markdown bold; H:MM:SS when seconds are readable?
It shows **12:52**
